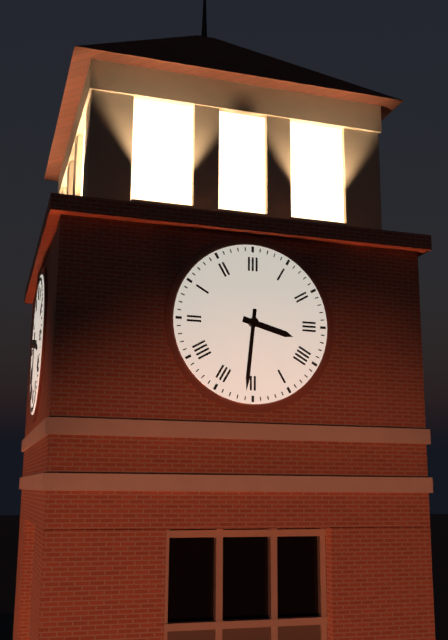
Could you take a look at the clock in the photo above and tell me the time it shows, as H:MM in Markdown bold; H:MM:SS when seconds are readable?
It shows **3:31**
